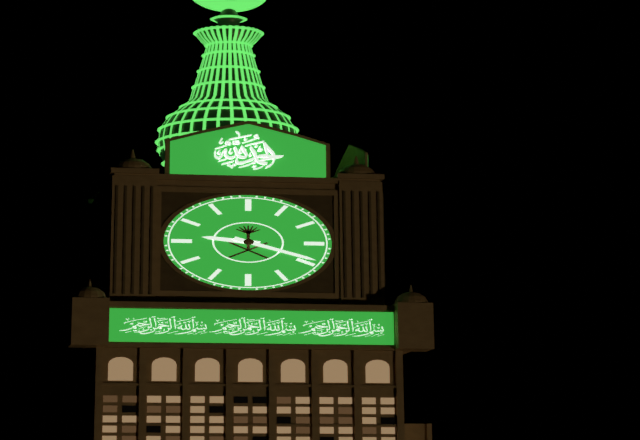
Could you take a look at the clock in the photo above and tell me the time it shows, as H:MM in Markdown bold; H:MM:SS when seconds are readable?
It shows **9:19**
